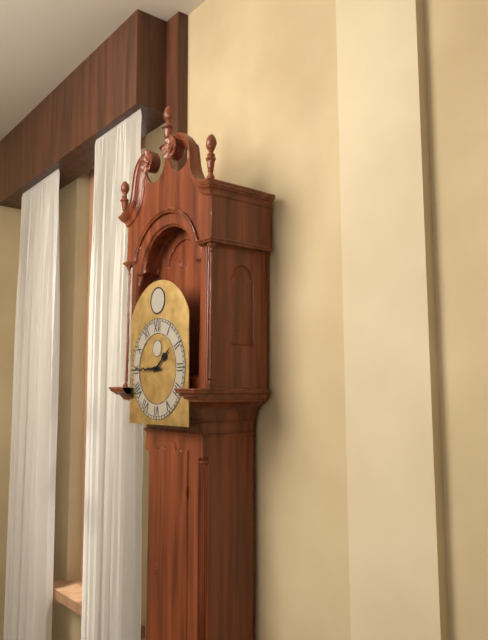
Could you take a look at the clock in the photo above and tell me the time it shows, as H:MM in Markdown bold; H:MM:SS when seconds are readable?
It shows **1:45**
